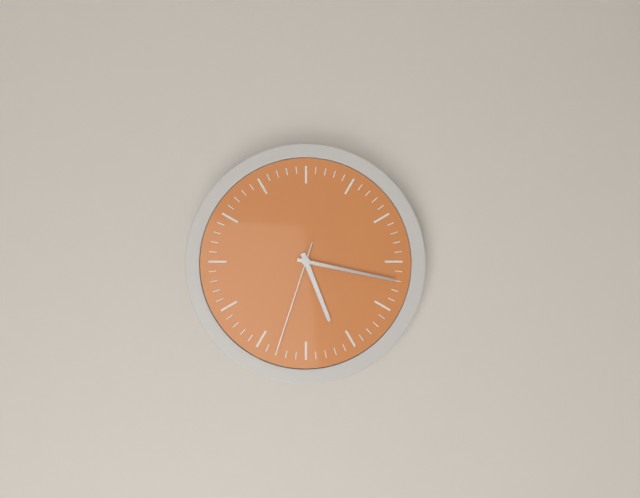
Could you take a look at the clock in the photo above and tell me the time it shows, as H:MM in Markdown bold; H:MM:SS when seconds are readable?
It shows **5:17:33**
